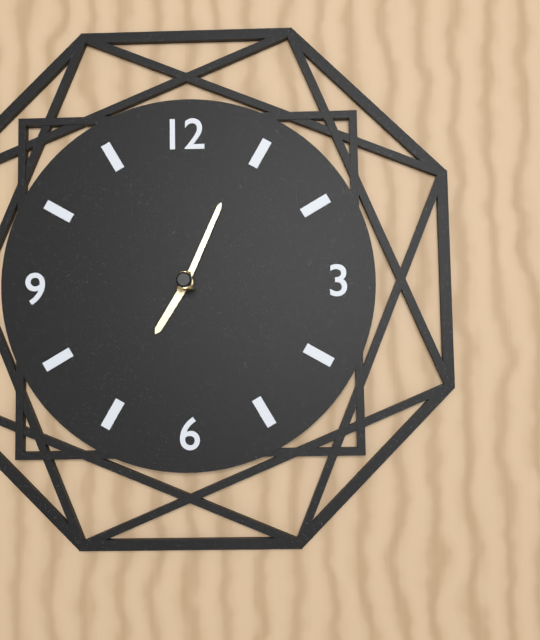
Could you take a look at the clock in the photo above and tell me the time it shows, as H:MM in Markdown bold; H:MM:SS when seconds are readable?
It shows **7:04**
